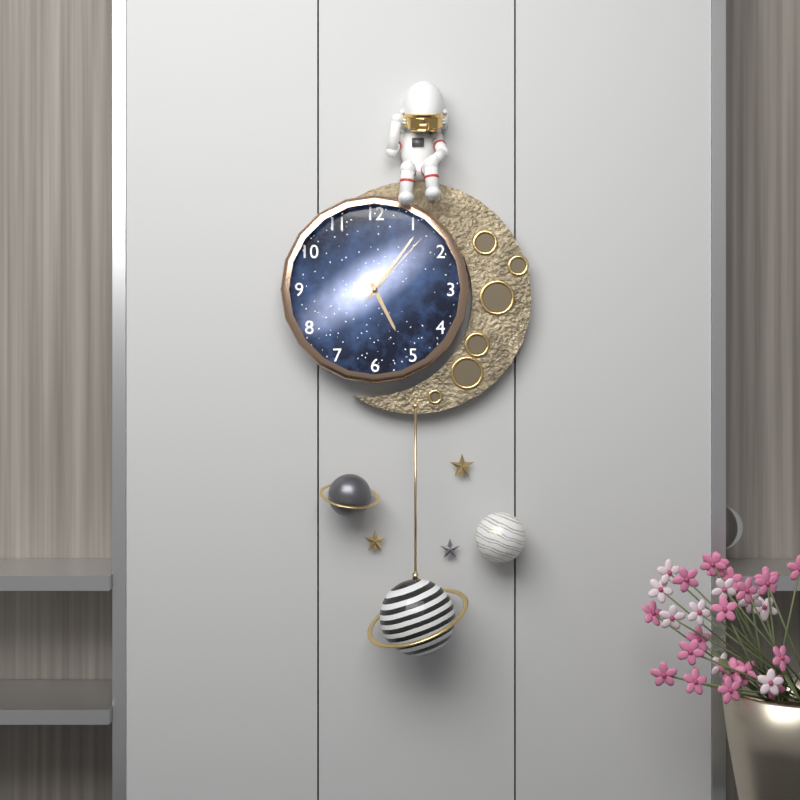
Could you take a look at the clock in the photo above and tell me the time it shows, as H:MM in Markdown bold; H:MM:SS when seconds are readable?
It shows **5:06:07**
